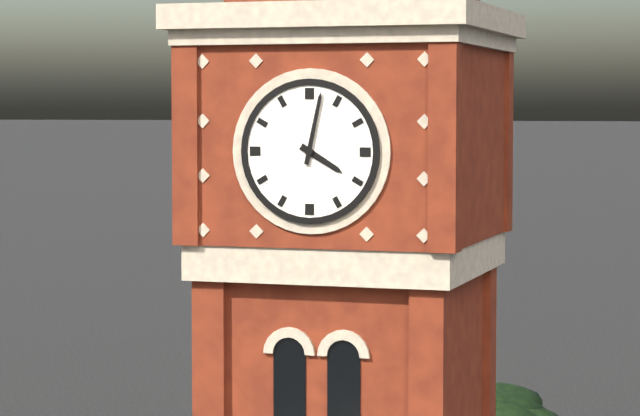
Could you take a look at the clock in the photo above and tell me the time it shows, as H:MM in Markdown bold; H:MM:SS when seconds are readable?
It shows **4:02**
